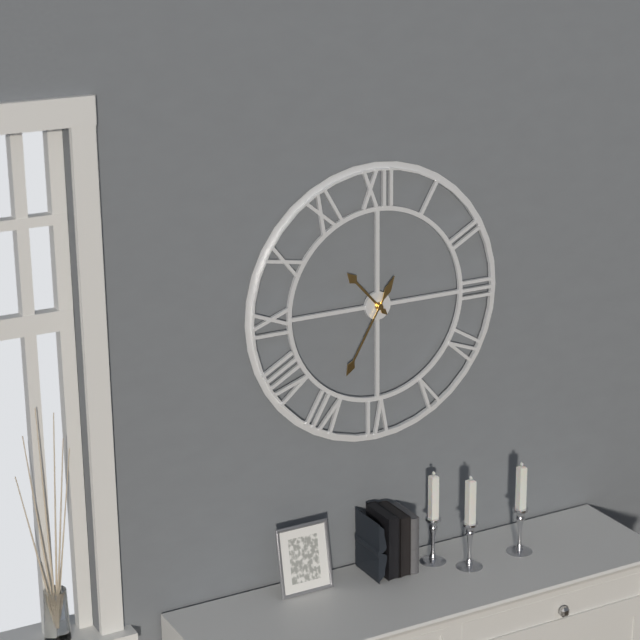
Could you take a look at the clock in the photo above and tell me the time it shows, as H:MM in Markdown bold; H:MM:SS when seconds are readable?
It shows **10:35**
